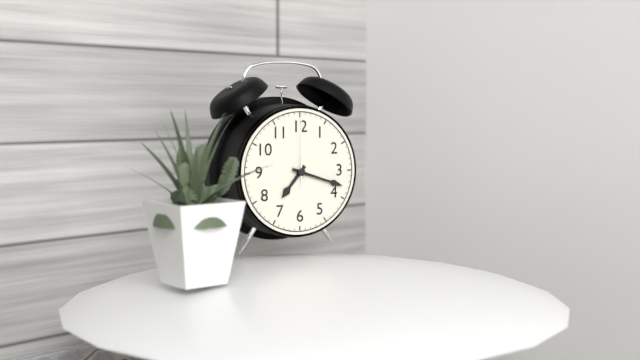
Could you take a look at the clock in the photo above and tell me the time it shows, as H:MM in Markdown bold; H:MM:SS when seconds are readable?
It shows **7:18:00**
